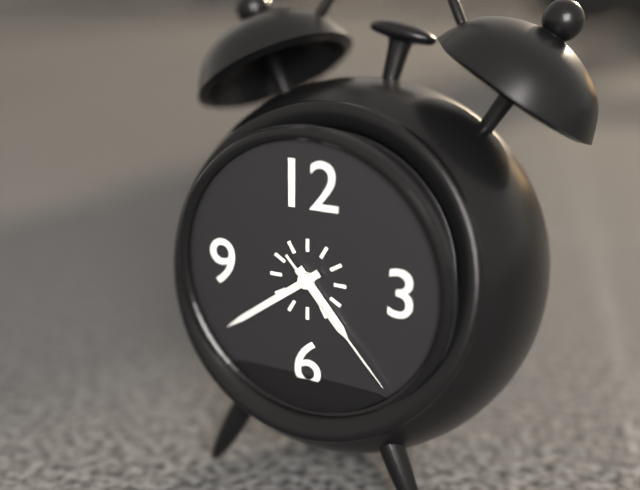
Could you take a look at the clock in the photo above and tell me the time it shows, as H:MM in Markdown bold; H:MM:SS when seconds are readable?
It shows **4:39:23**
